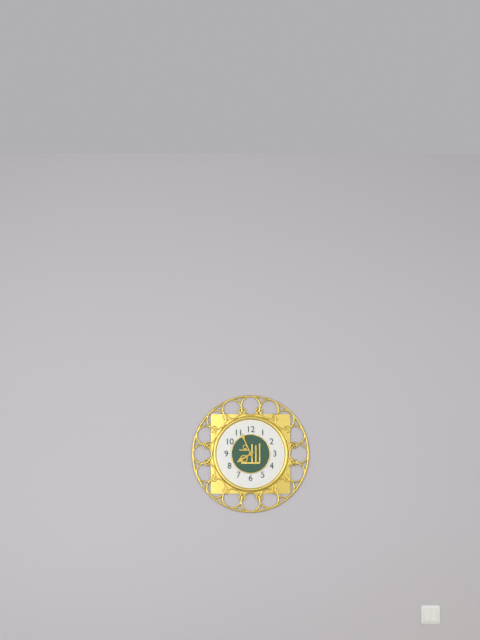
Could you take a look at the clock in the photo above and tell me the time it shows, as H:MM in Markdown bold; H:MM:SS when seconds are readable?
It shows **7:56**
